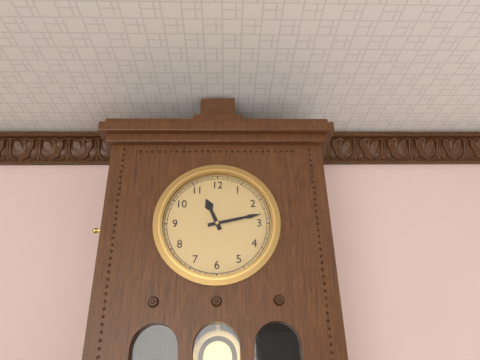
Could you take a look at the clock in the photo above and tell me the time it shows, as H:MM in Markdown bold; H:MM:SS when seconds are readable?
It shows **11:13**
